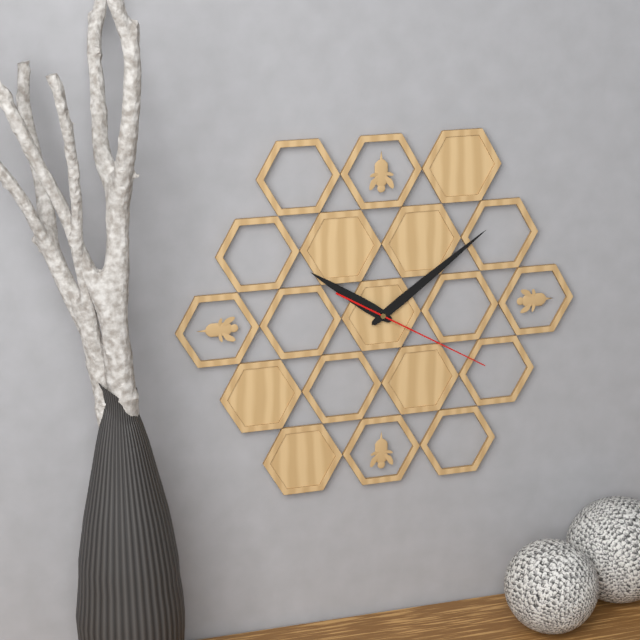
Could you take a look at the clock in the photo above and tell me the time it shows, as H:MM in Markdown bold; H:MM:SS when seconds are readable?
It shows **10:09:20**
